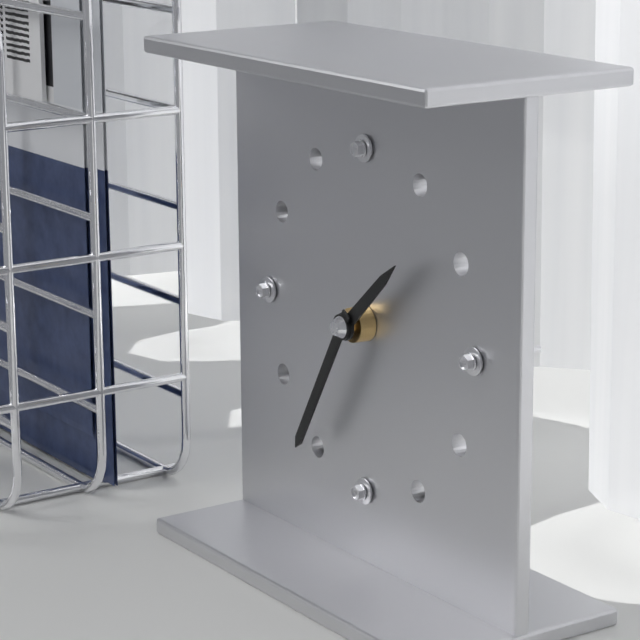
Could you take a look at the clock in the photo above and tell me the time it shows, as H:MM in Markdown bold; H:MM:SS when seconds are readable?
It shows **1:35**
